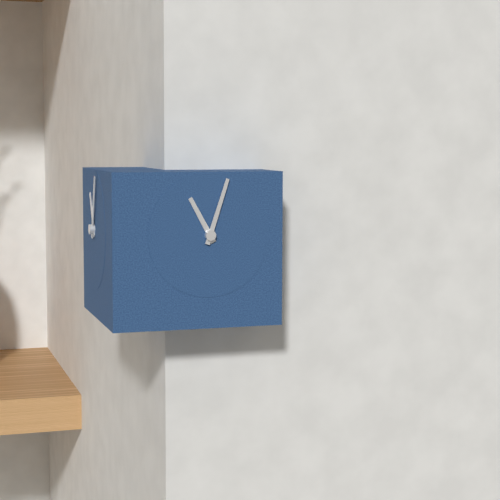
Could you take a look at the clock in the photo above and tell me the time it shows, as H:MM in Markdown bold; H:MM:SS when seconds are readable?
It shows **11:03**
